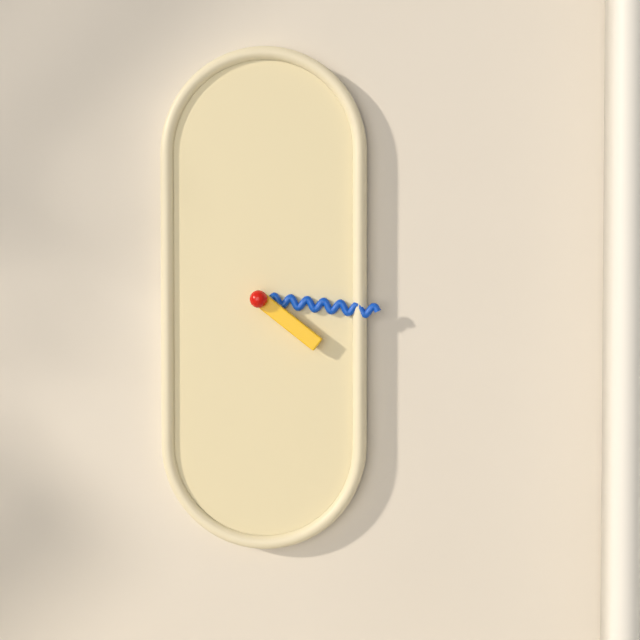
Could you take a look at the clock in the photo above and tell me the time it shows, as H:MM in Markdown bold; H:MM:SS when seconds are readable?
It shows **4:16**
